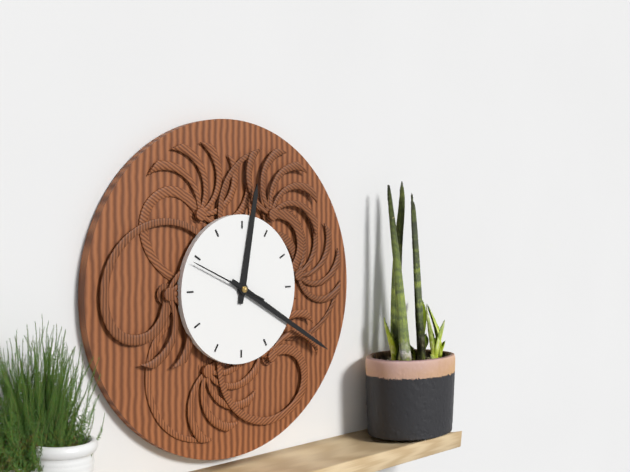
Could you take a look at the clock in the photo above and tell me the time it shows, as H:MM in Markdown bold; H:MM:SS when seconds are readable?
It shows **12:20:49**
